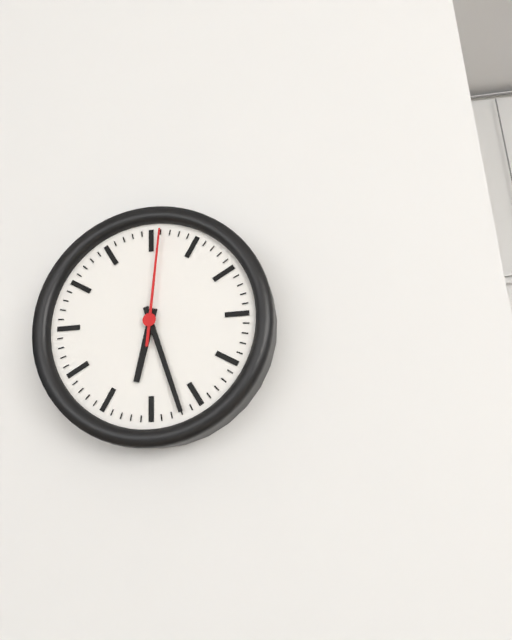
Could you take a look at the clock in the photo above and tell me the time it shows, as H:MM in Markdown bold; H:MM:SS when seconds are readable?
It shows **6:27:01**
